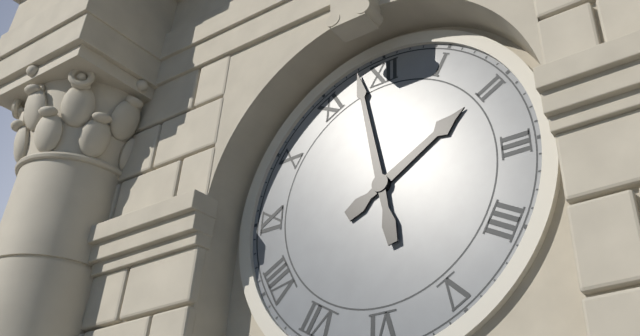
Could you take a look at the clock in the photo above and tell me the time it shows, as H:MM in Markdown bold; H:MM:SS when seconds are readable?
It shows **1:58**
